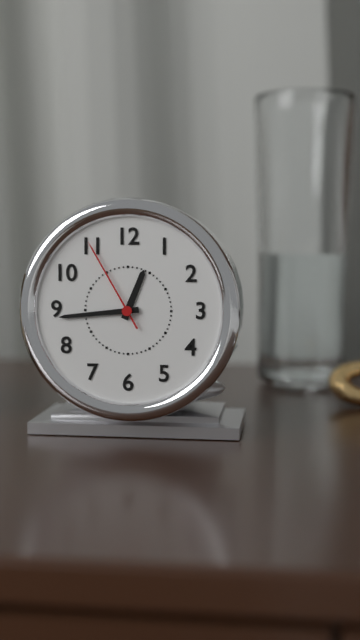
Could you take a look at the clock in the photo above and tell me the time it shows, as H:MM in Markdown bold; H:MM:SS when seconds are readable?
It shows **12:44:55**
